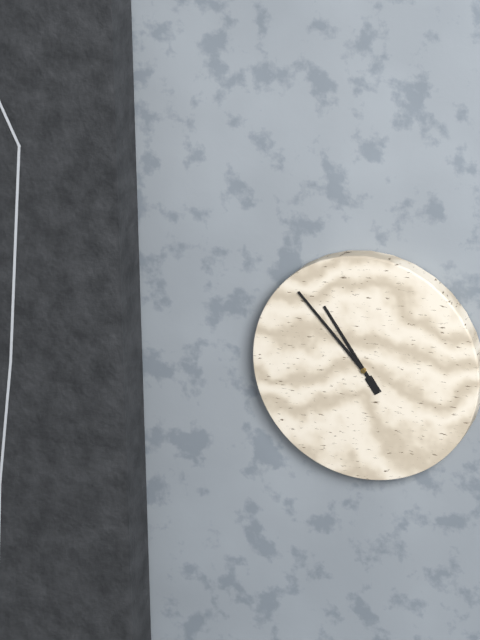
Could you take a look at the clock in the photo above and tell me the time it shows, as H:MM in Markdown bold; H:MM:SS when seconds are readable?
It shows **10:53**
